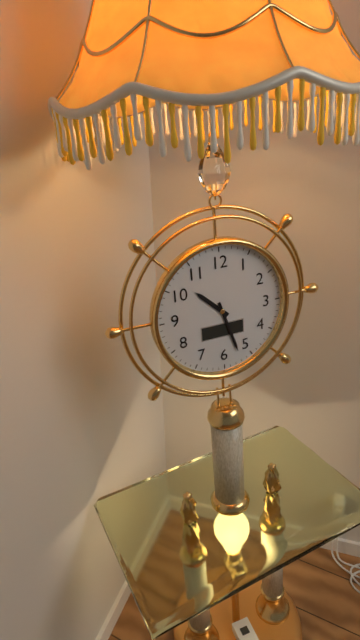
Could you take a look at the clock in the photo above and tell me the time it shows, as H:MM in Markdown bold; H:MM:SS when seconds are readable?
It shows **10:27**
